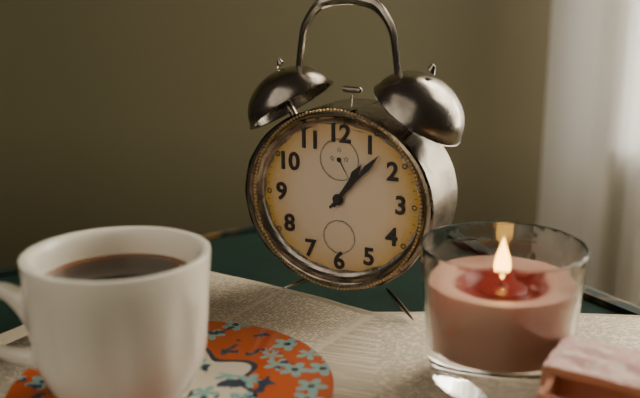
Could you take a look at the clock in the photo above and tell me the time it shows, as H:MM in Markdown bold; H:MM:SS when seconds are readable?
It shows **1:07**
